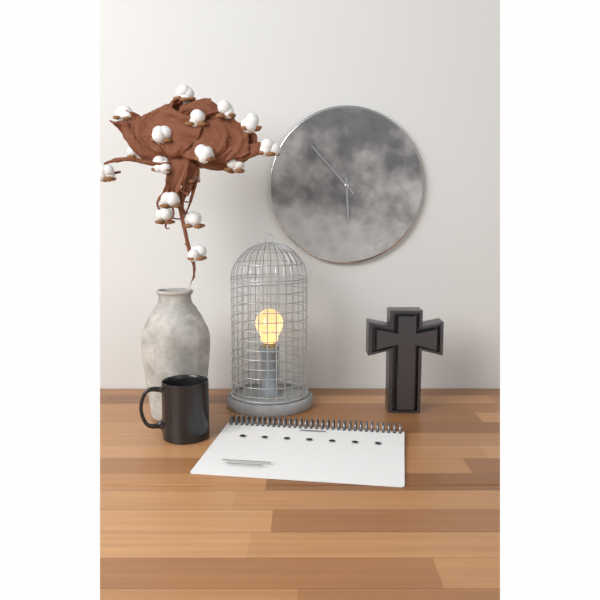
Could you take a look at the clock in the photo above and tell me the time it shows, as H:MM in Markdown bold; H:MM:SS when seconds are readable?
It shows **5:53**
